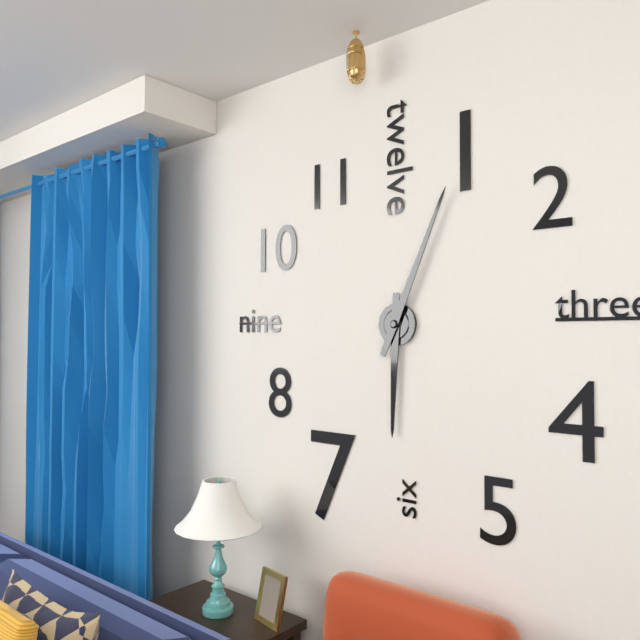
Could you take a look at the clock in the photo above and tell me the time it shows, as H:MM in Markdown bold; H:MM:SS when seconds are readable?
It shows **6:04**
